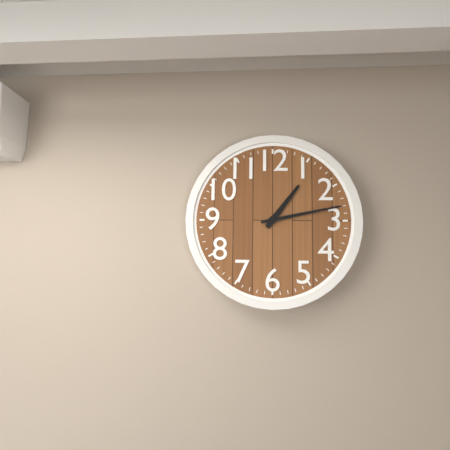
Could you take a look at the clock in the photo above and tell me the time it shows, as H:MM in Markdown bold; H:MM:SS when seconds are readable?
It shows **1:13**
